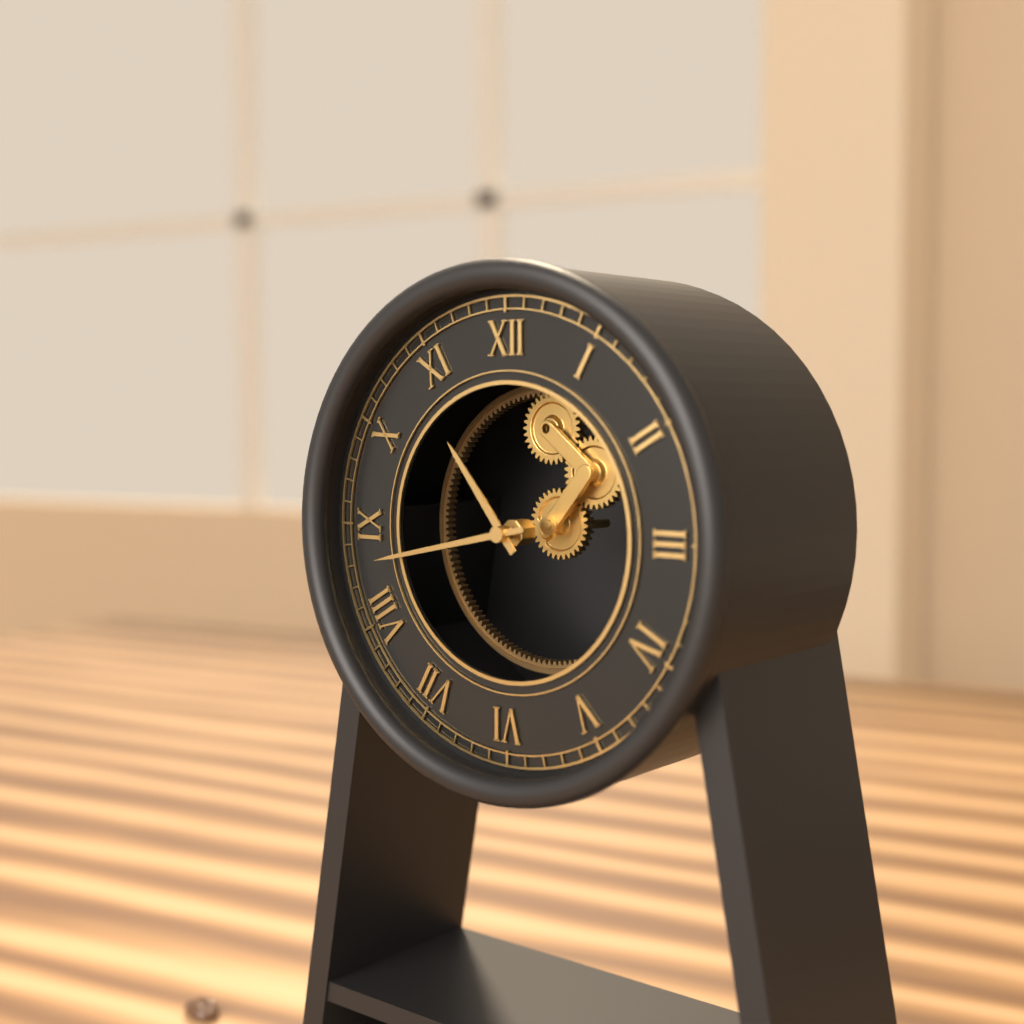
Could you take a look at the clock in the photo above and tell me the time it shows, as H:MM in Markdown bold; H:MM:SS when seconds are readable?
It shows **10:43**
